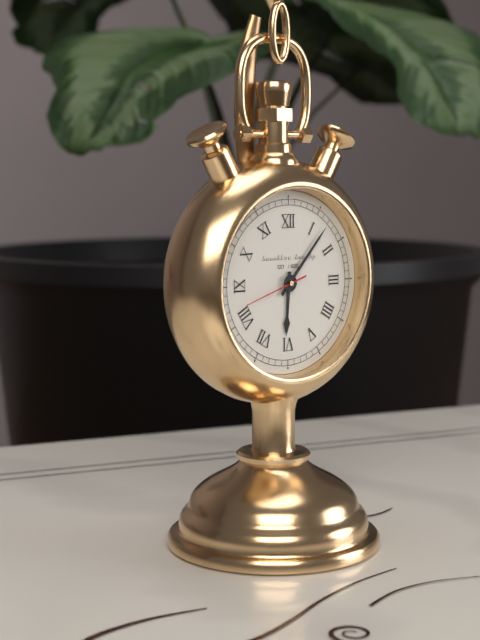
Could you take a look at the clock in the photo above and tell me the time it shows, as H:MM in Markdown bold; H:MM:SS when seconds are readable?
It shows **6:07**
